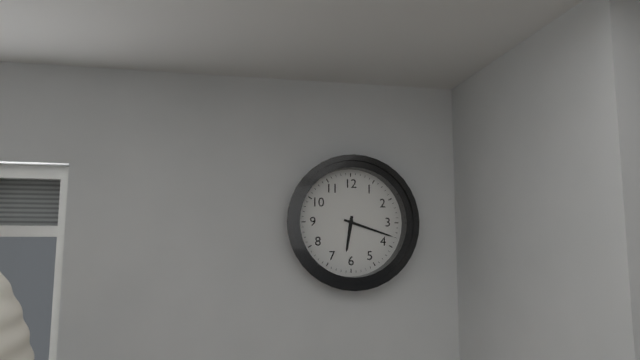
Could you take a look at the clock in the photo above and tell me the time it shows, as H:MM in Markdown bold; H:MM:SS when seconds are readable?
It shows **6:18**
